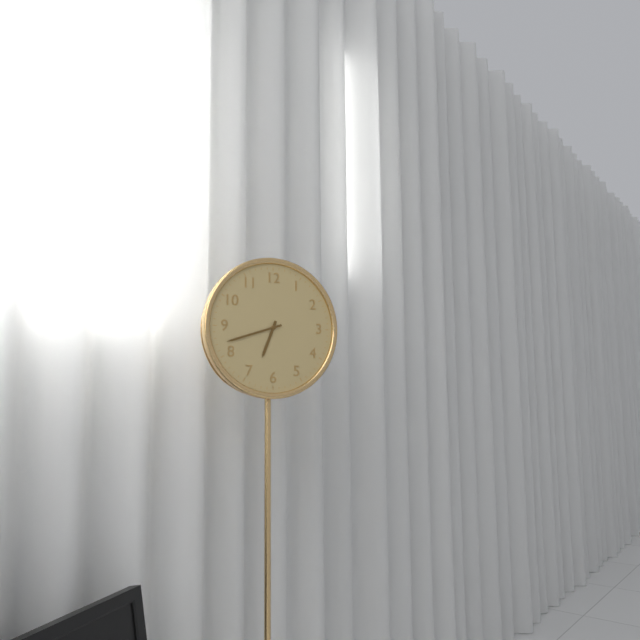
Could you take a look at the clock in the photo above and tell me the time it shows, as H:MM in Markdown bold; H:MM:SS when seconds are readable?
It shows **6:42**
